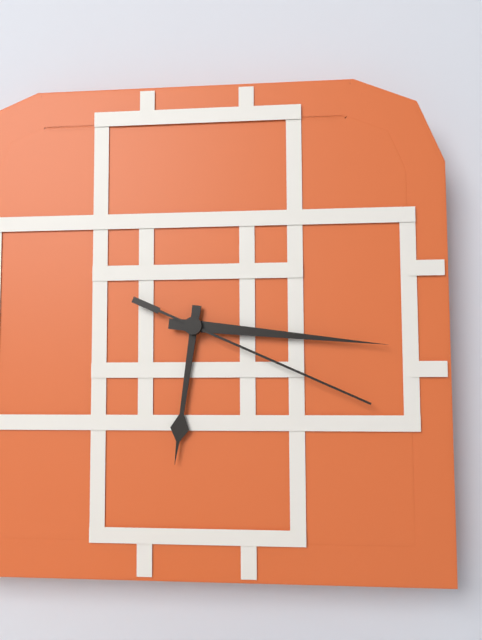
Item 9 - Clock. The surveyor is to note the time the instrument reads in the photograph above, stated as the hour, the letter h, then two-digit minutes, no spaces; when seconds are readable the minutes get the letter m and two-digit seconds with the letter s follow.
6h16m19s
